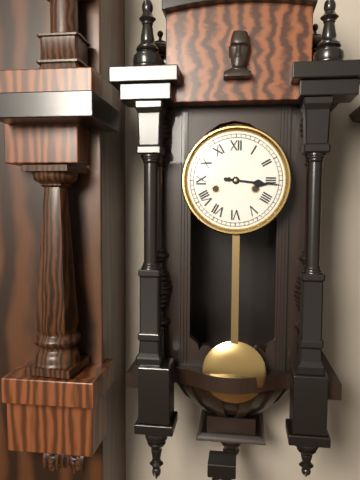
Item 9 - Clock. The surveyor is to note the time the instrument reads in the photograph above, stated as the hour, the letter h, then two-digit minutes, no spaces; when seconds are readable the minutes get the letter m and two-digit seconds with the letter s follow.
3h16
